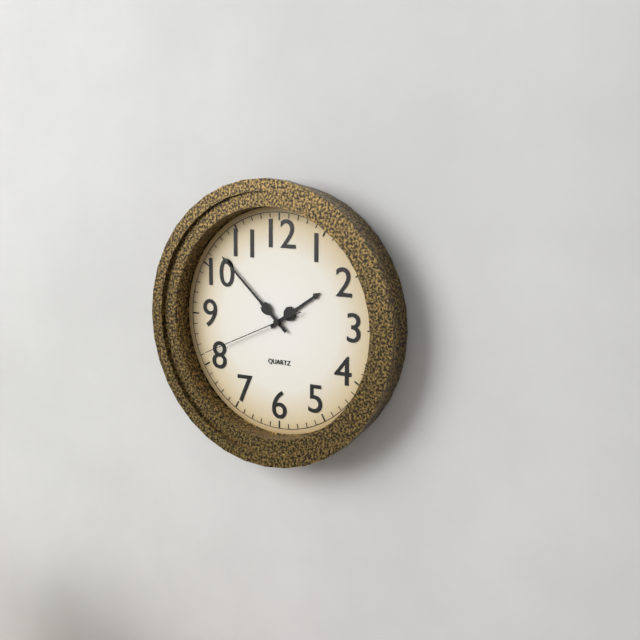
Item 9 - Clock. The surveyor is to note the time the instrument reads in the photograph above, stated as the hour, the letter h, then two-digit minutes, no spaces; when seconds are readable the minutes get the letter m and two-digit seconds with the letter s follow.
1h52m41s
